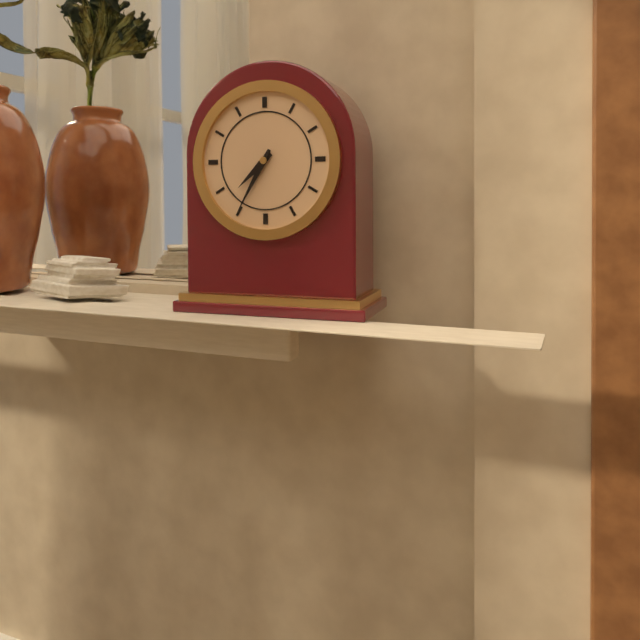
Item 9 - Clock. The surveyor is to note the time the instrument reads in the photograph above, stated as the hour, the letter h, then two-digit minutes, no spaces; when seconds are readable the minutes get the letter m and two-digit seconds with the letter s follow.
7h35
